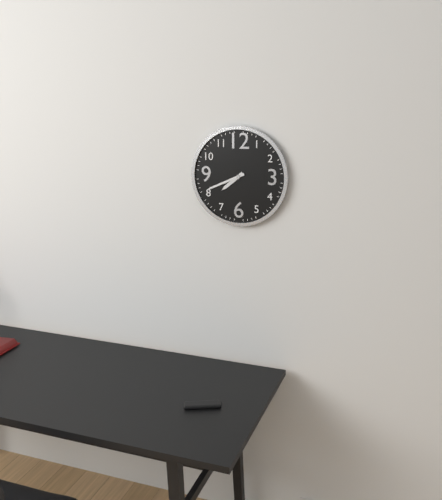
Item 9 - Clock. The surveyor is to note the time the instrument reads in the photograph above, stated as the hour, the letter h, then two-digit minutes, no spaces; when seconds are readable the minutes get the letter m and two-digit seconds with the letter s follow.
7h41
